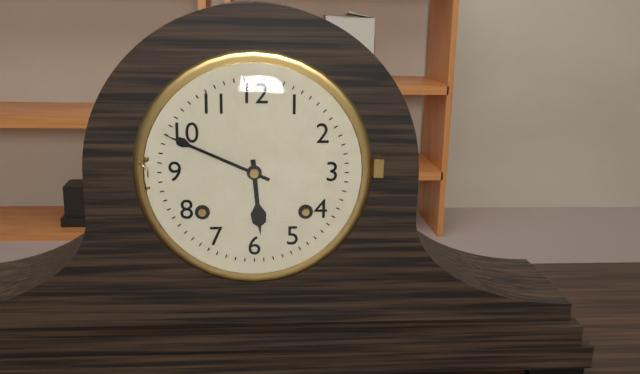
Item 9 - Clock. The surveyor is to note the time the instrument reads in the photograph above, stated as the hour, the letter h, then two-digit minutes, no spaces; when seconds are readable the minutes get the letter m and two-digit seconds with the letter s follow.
5h49
